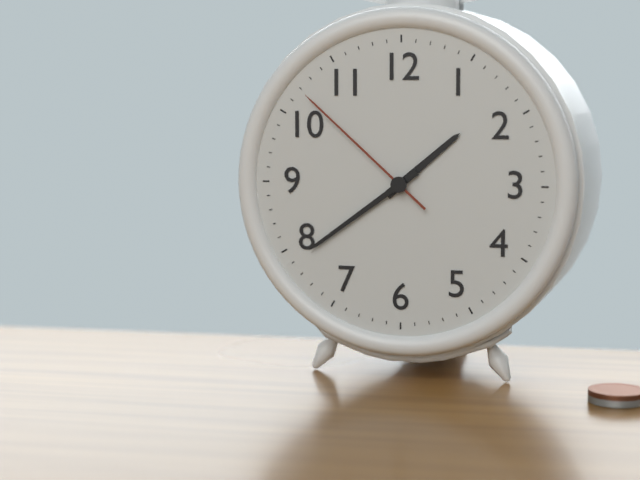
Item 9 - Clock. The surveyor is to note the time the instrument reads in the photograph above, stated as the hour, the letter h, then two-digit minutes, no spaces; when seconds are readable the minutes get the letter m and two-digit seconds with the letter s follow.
1h39m52s
